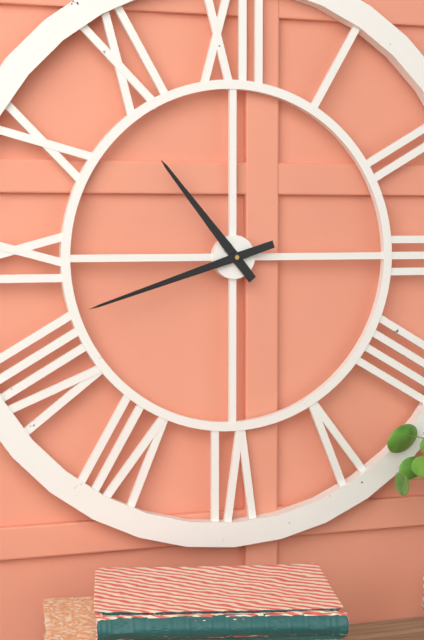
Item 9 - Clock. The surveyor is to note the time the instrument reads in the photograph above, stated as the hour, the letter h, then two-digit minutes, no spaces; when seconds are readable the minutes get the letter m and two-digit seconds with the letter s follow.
10h42
